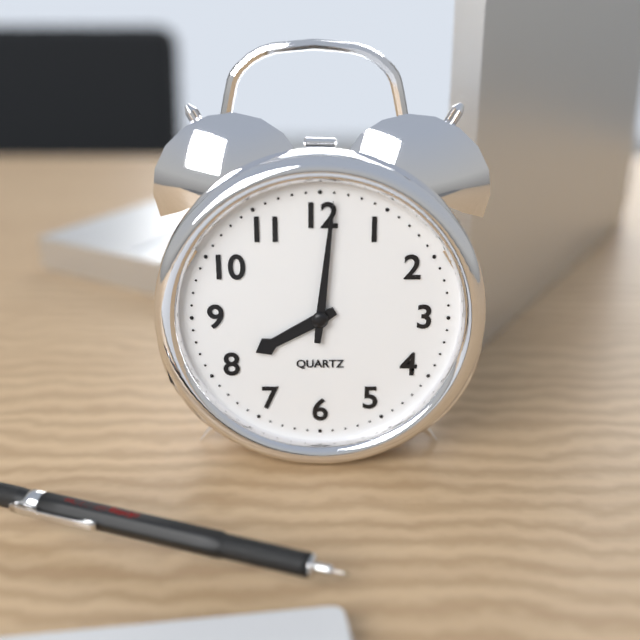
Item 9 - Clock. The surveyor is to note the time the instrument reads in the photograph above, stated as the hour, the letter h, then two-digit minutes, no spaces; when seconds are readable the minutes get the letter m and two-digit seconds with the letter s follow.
8h01
